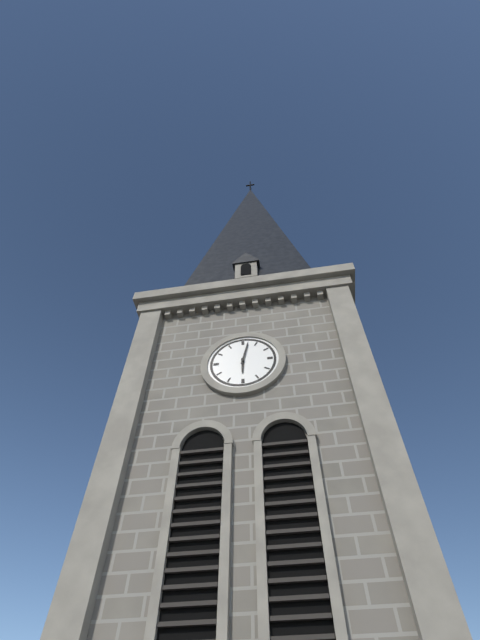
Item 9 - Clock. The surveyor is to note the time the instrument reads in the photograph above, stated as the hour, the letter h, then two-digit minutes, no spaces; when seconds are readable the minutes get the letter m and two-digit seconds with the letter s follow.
6h02
